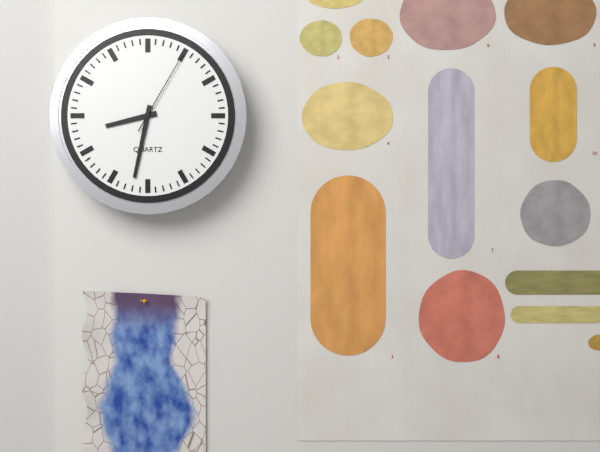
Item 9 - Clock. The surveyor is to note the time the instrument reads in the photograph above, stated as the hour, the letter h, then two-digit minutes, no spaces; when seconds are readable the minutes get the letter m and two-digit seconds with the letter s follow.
8h32m05s
